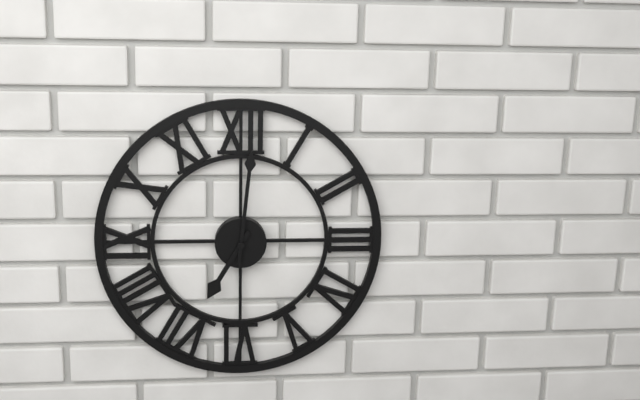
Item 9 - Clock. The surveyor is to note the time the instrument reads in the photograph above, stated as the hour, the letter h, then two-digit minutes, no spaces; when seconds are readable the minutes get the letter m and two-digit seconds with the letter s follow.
7h01
